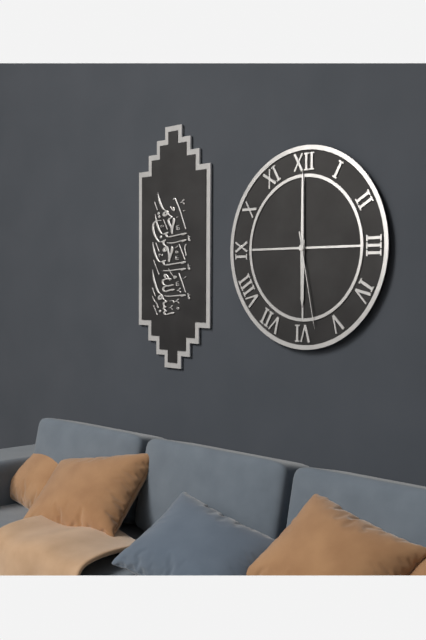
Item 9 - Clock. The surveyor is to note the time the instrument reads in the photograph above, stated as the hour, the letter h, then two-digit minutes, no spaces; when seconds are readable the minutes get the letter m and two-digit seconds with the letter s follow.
6h00m28s
